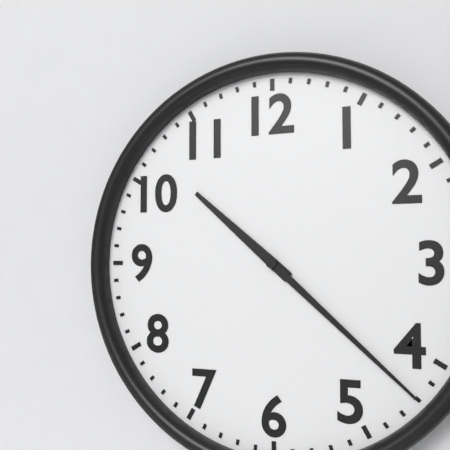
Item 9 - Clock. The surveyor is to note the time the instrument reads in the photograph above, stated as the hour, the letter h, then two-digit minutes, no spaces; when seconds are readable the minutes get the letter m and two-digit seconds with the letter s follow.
10h22
